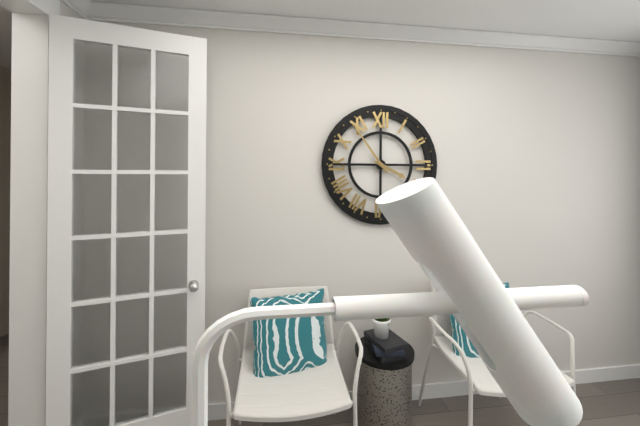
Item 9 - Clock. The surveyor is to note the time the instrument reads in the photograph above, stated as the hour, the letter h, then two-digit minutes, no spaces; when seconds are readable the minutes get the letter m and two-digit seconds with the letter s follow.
3h54
